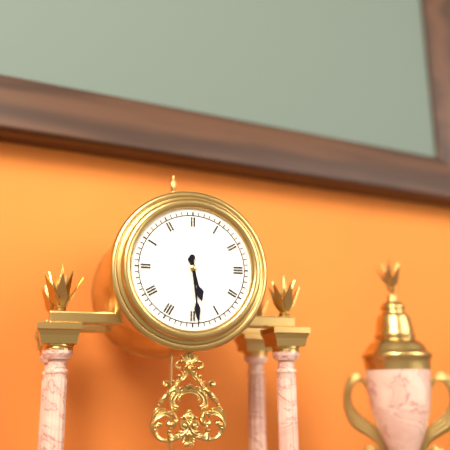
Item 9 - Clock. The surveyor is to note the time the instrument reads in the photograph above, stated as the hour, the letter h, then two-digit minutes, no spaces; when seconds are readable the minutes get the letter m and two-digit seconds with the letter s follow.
5h29
